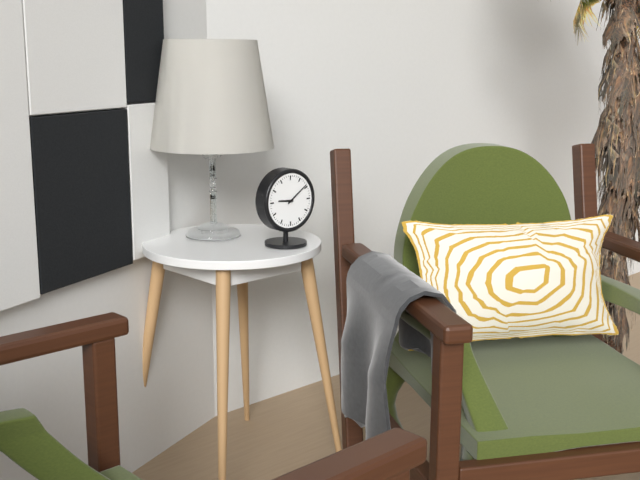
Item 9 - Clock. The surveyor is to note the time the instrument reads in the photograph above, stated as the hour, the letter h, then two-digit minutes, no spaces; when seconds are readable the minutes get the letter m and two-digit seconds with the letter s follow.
9h09
